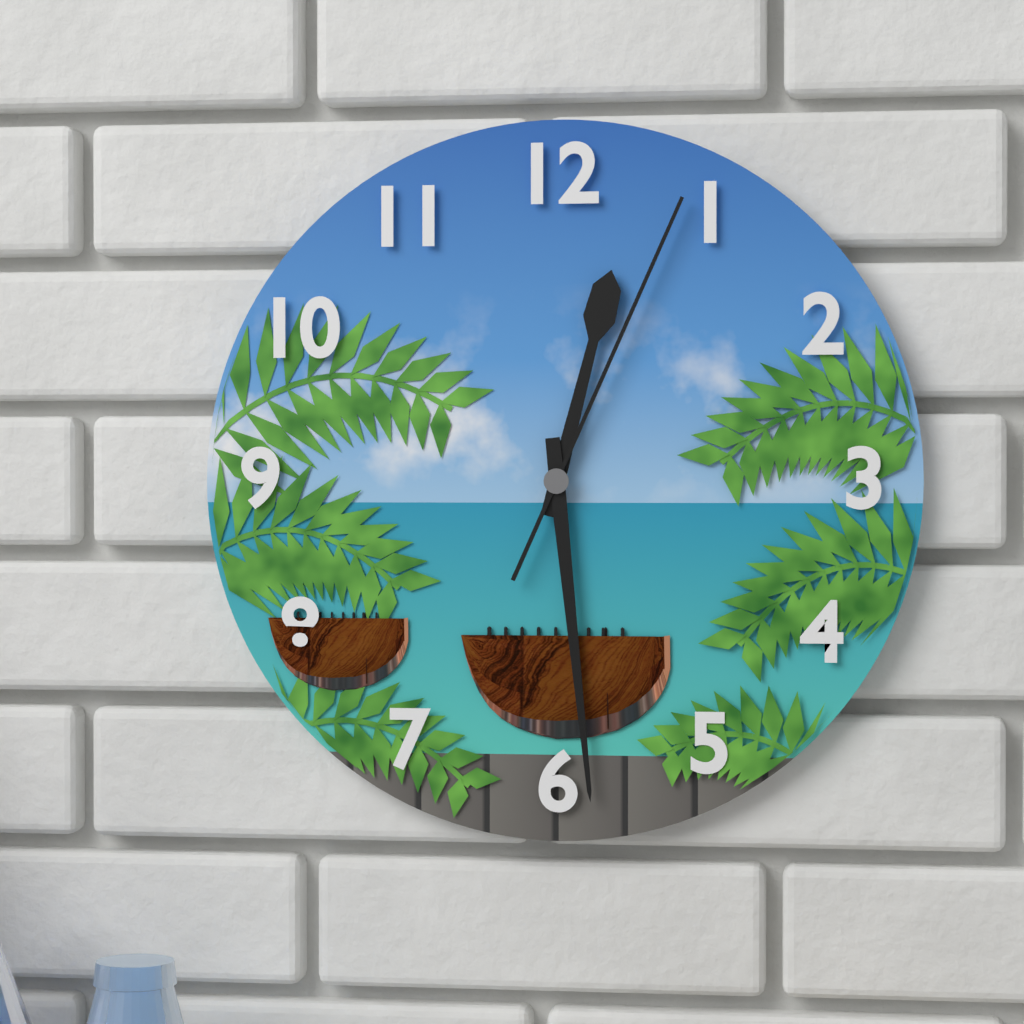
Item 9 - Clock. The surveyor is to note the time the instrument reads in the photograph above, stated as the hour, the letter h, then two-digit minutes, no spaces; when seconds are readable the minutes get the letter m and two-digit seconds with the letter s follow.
12h29m04s
